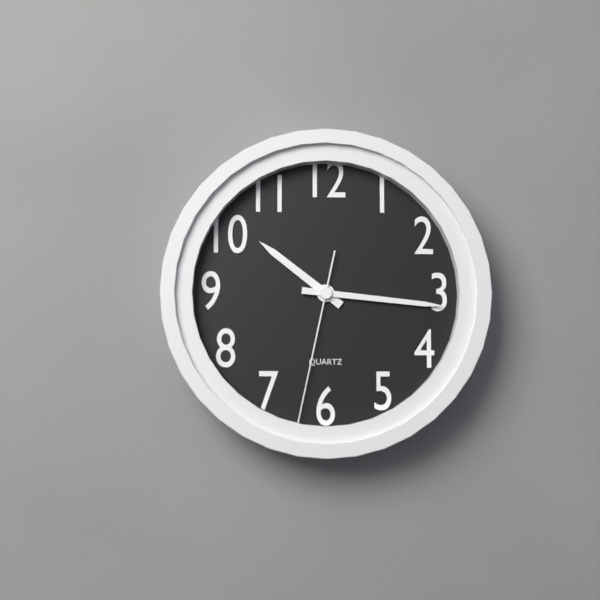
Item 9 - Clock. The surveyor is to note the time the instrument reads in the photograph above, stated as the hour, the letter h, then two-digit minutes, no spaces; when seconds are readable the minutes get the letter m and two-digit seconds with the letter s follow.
10h16m32s
